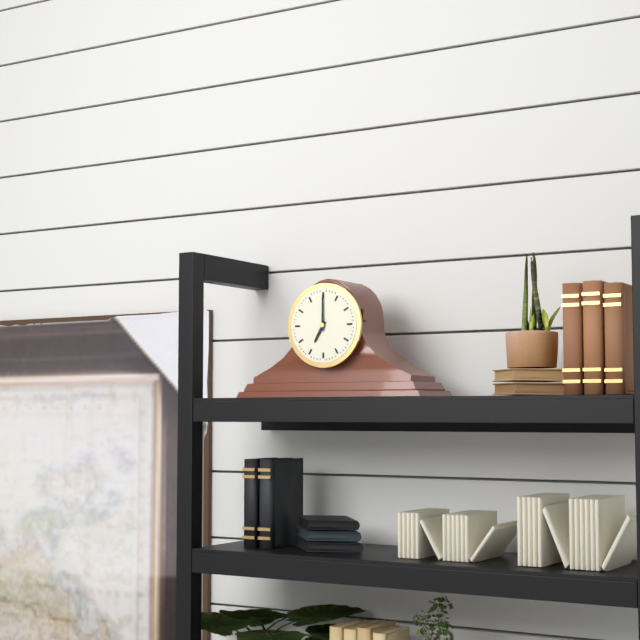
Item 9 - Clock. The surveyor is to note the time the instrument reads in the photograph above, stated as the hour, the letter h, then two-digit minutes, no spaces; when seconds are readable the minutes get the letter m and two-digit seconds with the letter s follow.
7h00
